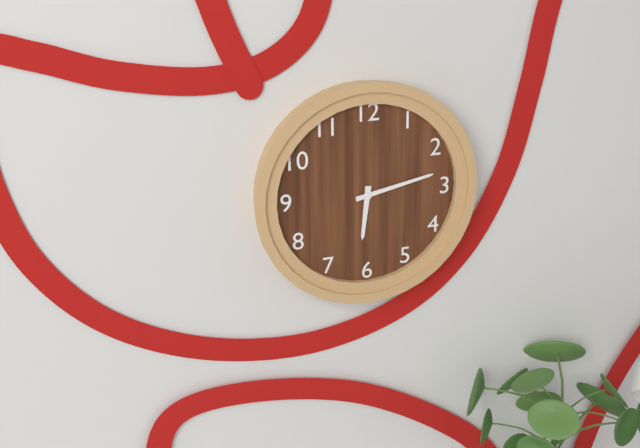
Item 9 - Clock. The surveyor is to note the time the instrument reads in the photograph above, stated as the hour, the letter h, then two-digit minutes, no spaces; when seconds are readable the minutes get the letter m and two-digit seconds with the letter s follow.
6h13
